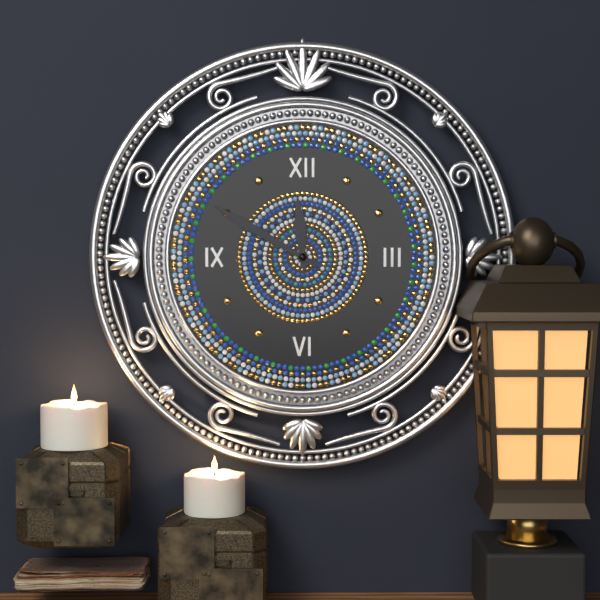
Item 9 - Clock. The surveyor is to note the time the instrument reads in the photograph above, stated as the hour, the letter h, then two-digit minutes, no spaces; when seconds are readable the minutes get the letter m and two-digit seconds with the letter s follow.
11h50
